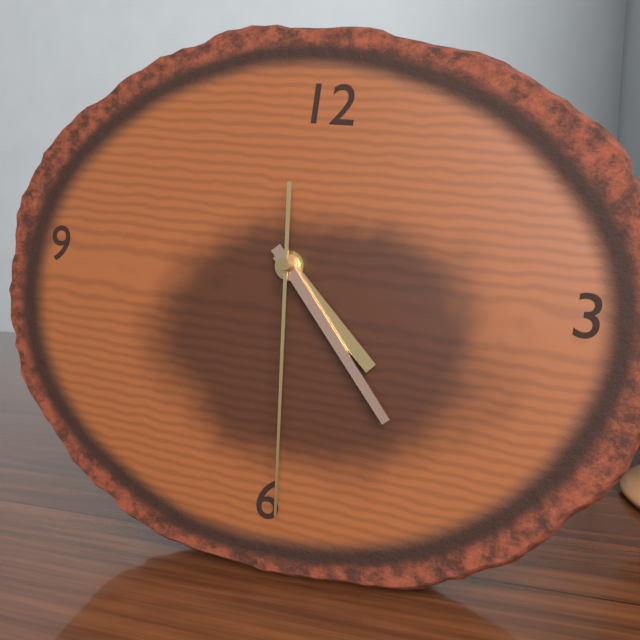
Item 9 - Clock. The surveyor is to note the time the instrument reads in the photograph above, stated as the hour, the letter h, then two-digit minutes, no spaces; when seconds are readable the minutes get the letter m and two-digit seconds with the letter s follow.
4h23m29s
